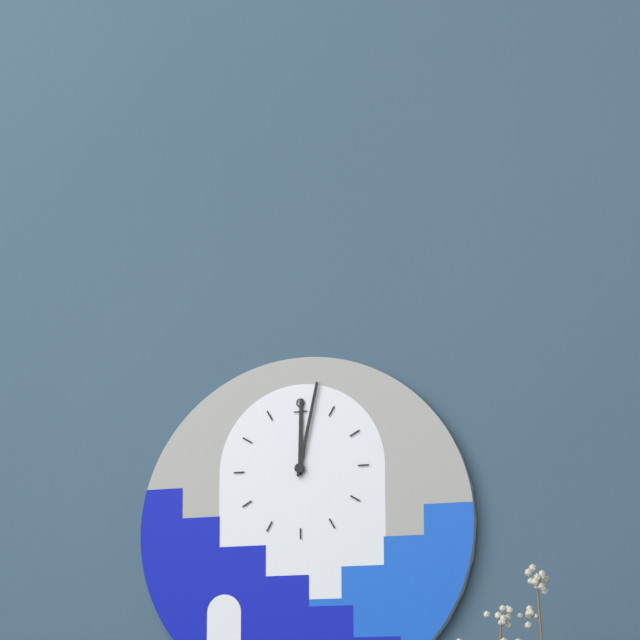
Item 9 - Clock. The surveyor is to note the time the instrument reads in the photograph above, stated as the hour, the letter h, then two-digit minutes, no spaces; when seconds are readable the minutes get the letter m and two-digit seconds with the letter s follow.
12h02
